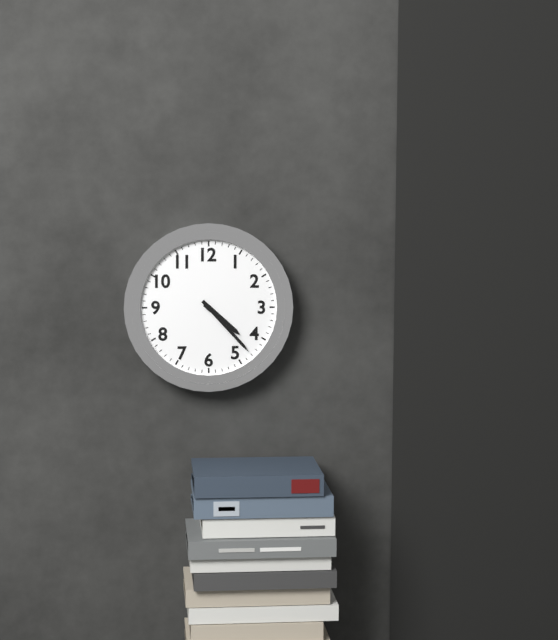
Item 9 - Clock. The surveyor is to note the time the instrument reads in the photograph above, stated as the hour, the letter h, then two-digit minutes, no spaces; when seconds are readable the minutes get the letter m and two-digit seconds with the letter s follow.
4h23
